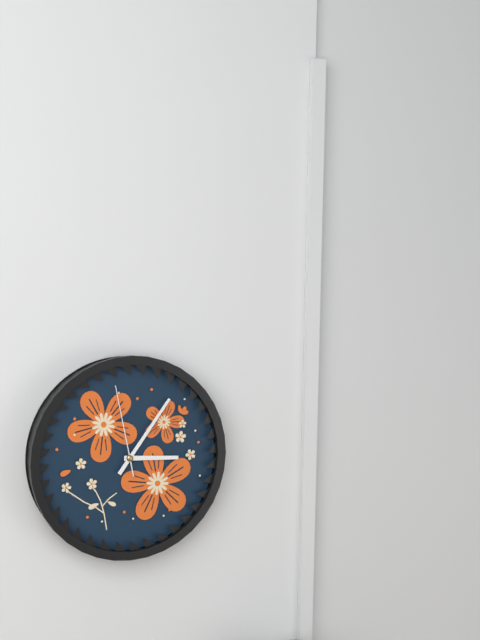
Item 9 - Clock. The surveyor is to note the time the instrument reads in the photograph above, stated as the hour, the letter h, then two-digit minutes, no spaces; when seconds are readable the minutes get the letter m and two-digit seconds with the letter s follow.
3h06m58s
